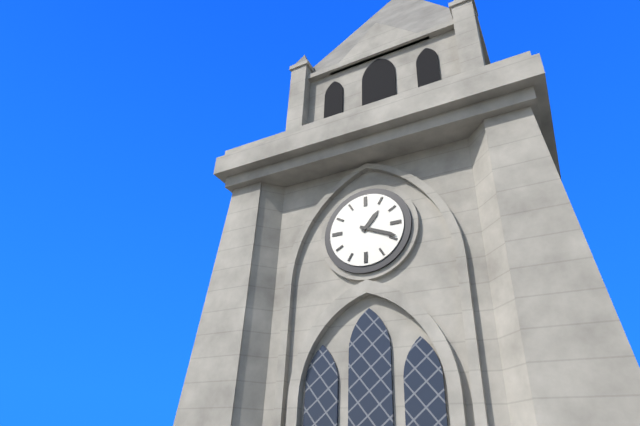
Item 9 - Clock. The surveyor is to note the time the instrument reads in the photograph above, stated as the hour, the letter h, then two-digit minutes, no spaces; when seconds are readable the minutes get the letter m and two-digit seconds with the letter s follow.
1h19
